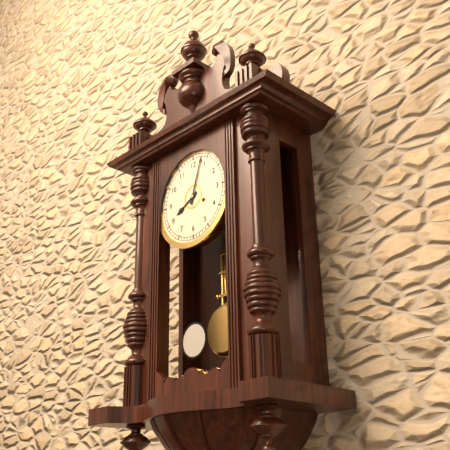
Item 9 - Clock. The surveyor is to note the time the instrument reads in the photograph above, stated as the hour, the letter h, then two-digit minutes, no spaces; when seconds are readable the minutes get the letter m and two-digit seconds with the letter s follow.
8h03
